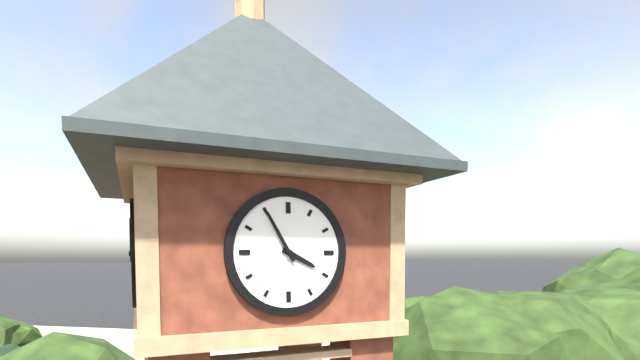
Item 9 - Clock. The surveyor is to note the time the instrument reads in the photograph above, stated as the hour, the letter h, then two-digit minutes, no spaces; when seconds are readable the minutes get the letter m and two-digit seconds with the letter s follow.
3h55
